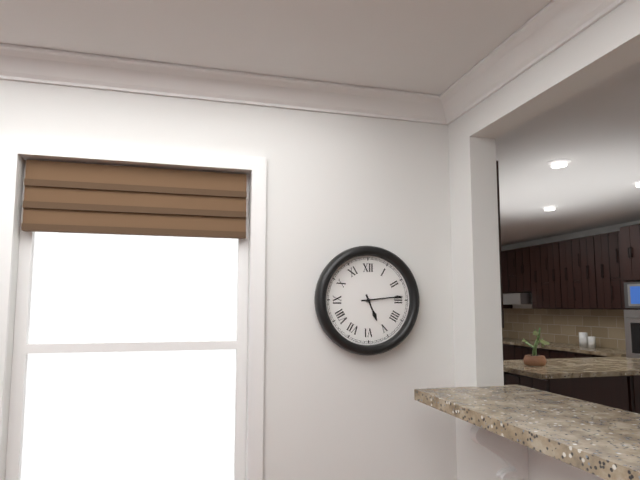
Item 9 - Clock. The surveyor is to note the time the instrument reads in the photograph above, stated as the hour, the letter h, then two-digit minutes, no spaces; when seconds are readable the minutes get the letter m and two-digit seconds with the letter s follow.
5h14
